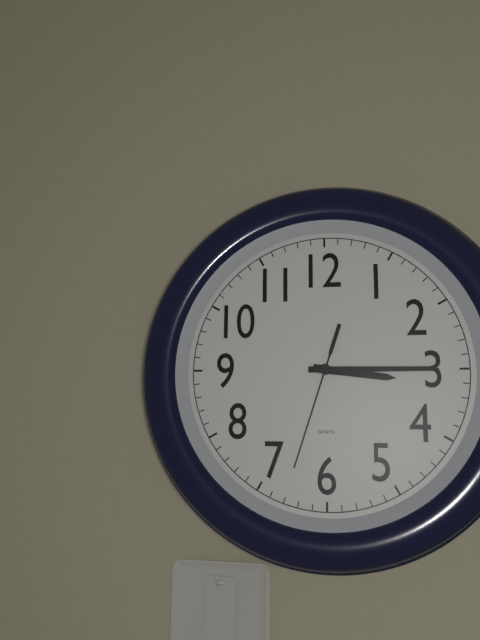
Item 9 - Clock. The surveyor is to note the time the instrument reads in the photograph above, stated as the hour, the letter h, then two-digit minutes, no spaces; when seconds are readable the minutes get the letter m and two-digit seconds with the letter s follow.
3h15m33s
